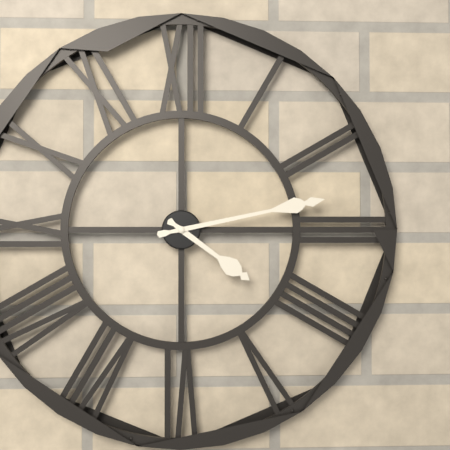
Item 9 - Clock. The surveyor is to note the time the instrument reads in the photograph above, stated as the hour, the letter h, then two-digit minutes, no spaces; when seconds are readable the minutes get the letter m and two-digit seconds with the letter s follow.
4h13
